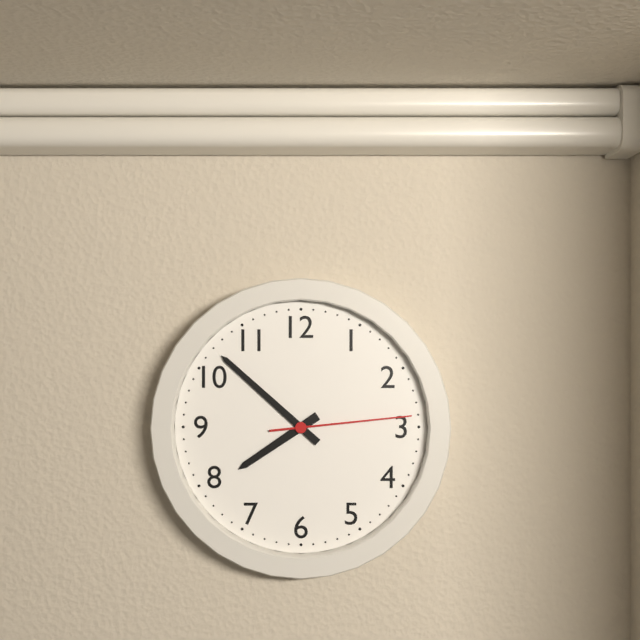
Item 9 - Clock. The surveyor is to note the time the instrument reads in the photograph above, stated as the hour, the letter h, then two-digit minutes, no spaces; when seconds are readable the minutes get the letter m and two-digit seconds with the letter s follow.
7h52m14s
